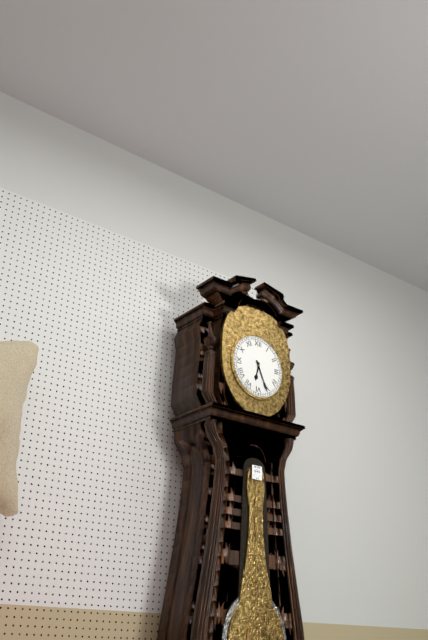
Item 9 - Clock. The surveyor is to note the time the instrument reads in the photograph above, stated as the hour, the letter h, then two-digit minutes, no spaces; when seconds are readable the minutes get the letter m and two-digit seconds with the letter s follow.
6h26
